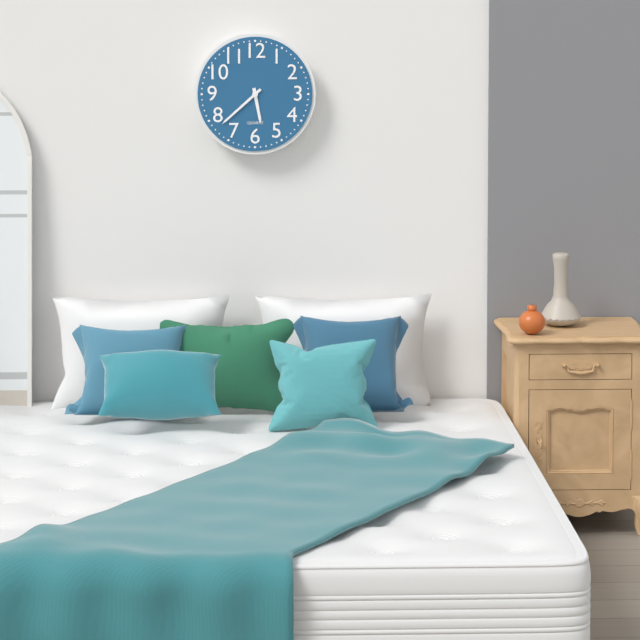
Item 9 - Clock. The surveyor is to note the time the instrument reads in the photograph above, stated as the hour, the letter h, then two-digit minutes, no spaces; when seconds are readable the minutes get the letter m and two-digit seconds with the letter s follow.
5h38
